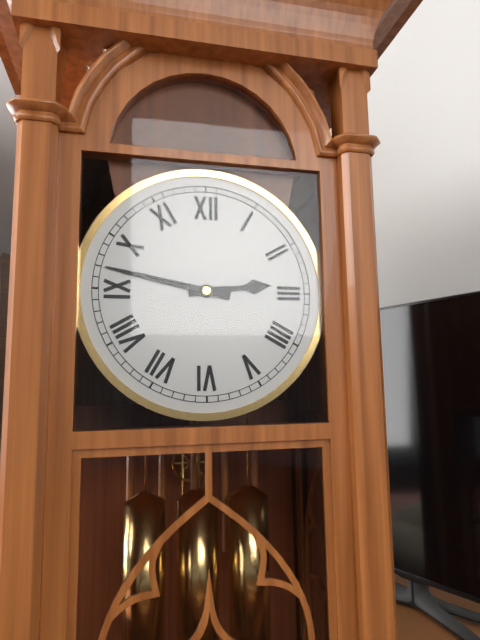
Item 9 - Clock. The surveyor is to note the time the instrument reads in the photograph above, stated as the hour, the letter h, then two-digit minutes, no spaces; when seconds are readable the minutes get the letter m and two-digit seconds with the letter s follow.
2h47
